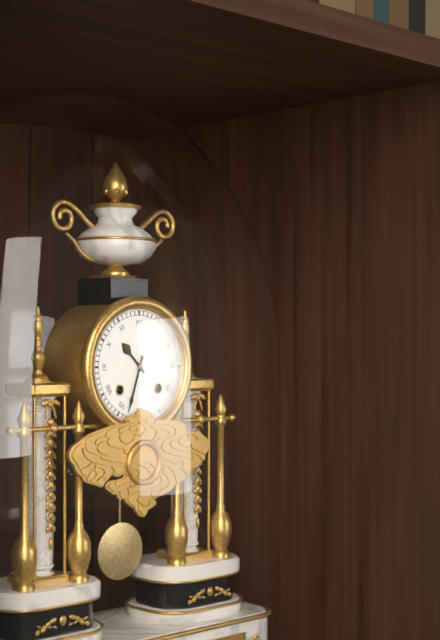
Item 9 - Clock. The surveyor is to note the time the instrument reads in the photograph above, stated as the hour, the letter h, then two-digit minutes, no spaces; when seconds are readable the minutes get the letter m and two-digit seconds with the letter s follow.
10h33
